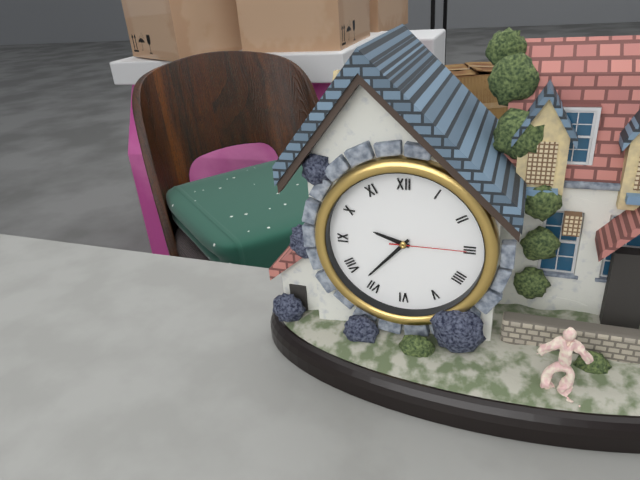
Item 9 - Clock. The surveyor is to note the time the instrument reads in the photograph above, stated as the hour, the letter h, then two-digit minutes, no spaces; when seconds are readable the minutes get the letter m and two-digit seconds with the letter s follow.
9h37m15s
